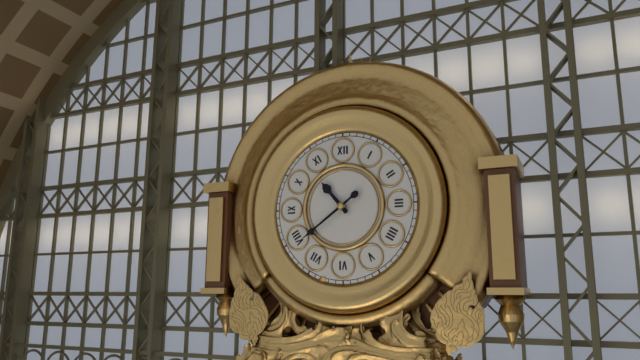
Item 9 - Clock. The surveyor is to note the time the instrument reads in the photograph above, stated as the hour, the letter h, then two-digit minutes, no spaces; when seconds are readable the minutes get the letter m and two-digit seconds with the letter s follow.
10h39
